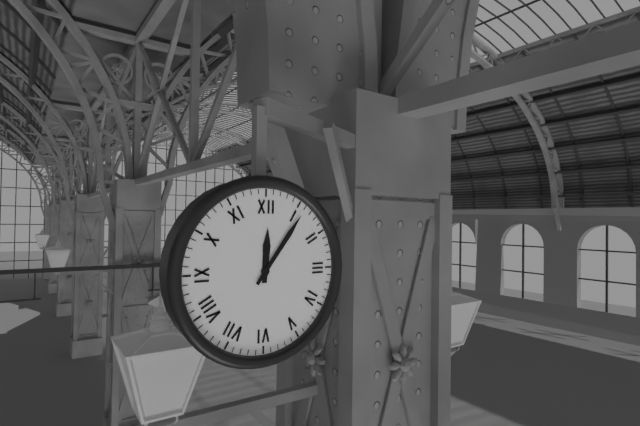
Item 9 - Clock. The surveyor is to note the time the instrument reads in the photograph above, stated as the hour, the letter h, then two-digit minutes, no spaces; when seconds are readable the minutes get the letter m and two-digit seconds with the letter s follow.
12h06
